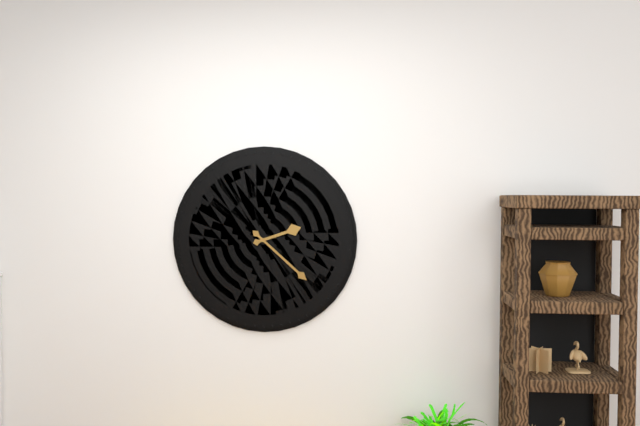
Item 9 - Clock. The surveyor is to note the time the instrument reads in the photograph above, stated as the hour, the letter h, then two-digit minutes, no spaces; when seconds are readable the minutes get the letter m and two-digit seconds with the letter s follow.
2h22
